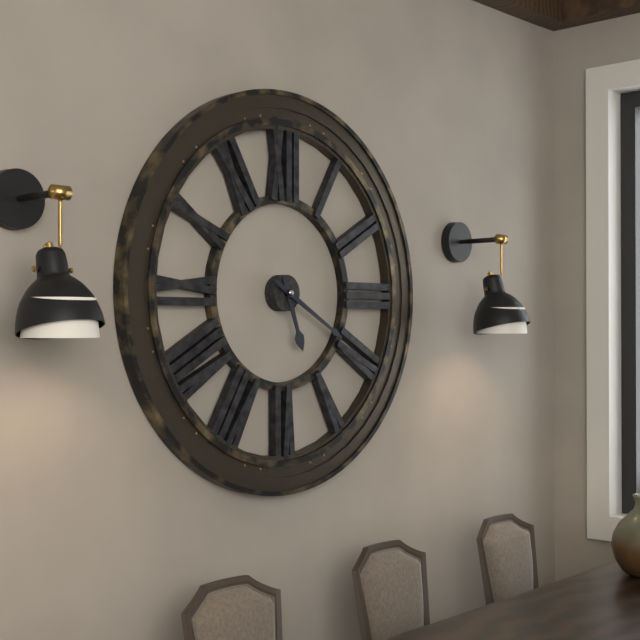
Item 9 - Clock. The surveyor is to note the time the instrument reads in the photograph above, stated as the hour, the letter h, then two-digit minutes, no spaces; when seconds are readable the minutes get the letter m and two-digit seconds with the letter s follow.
5h20
